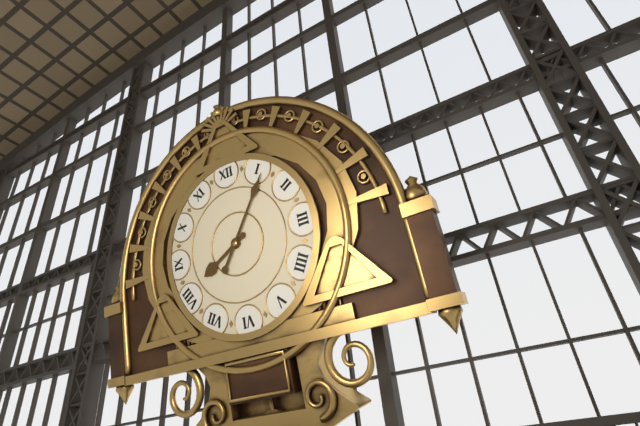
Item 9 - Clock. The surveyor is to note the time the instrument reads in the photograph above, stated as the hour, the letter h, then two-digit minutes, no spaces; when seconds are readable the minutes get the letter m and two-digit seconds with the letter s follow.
8h06
